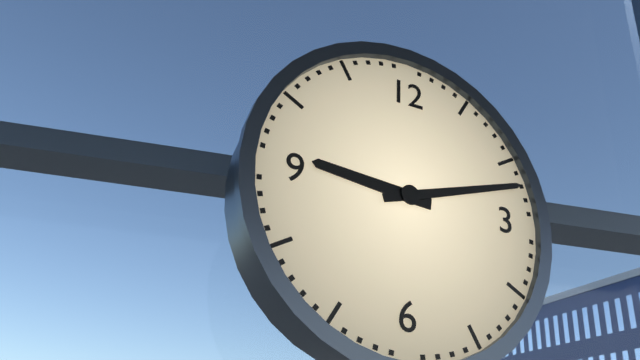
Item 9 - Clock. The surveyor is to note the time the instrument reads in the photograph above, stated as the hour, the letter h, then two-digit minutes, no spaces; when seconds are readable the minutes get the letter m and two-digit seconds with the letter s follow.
9h12
